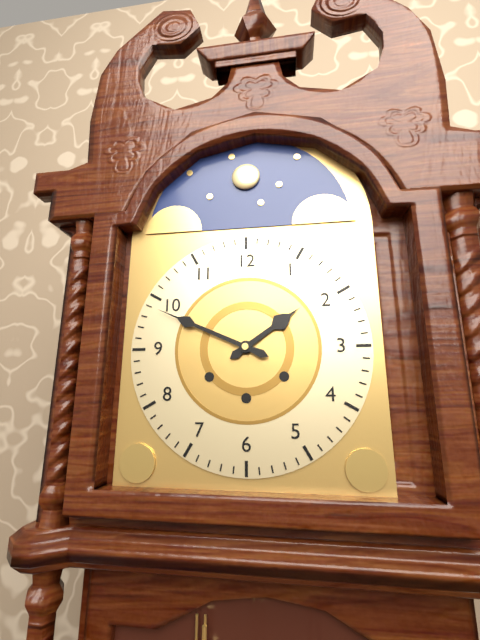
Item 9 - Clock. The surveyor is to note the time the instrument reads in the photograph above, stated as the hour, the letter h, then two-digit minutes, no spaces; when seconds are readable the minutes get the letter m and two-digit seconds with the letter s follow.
1h49
